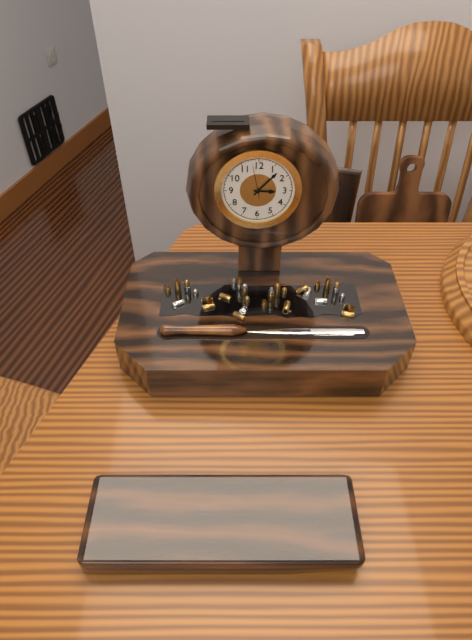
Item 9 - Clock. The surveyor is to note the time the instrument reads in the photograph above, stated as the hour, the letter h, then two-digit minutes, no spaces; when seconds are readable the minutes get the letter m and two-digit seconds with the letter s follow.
3h07
